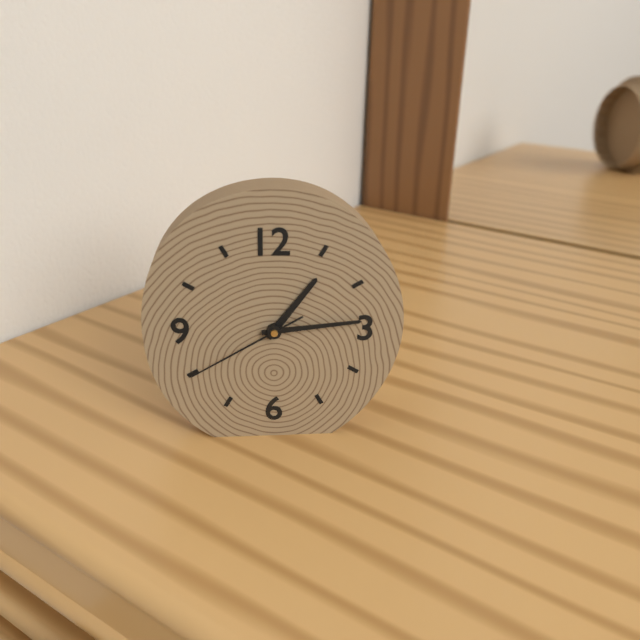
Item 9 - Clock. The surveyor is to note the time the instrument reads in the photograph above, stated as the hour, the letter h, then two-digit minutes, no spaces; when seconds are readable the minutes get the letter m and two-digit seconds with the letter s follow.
1h14m40s
